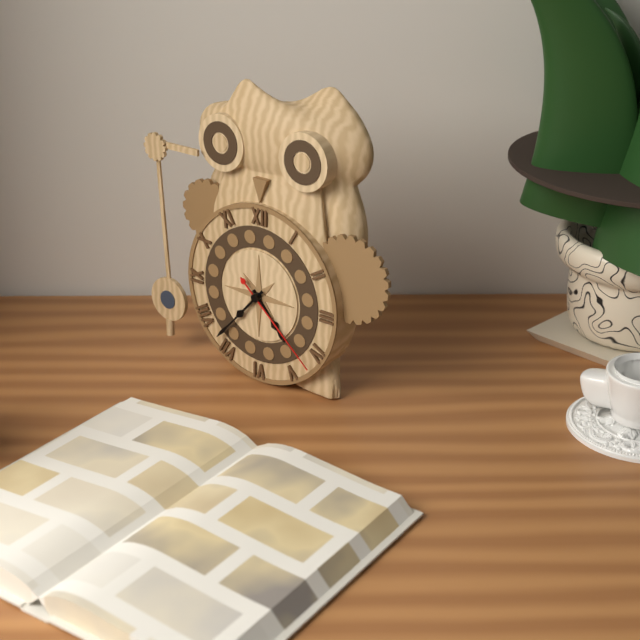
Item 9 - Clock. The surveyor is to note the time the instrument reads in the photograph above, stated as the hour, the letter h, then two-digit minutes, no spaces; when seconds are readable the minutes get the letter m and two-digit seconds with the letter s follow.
4h37m22s
